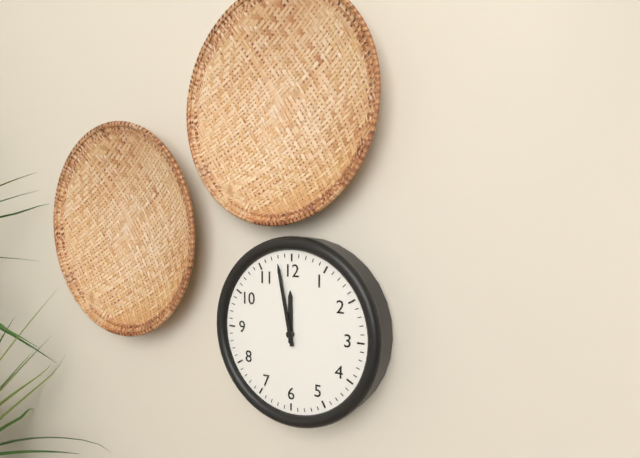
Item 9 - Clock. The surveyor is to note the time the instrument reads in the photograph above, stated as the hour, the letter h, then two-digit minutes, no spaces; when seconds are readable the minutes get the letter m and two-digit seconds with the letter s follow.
11h58
